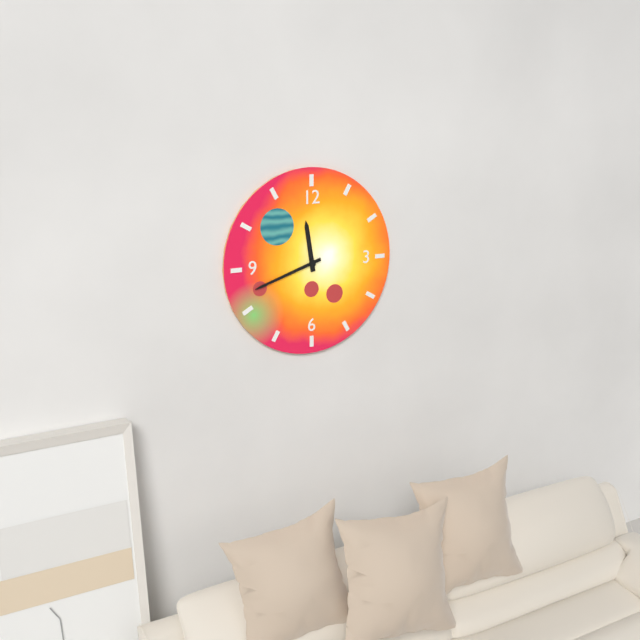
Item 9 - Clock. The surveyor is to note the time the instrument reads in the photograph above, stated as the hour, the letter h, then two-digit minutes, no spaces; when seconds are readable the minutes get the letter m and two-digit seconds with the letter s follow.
11h42
